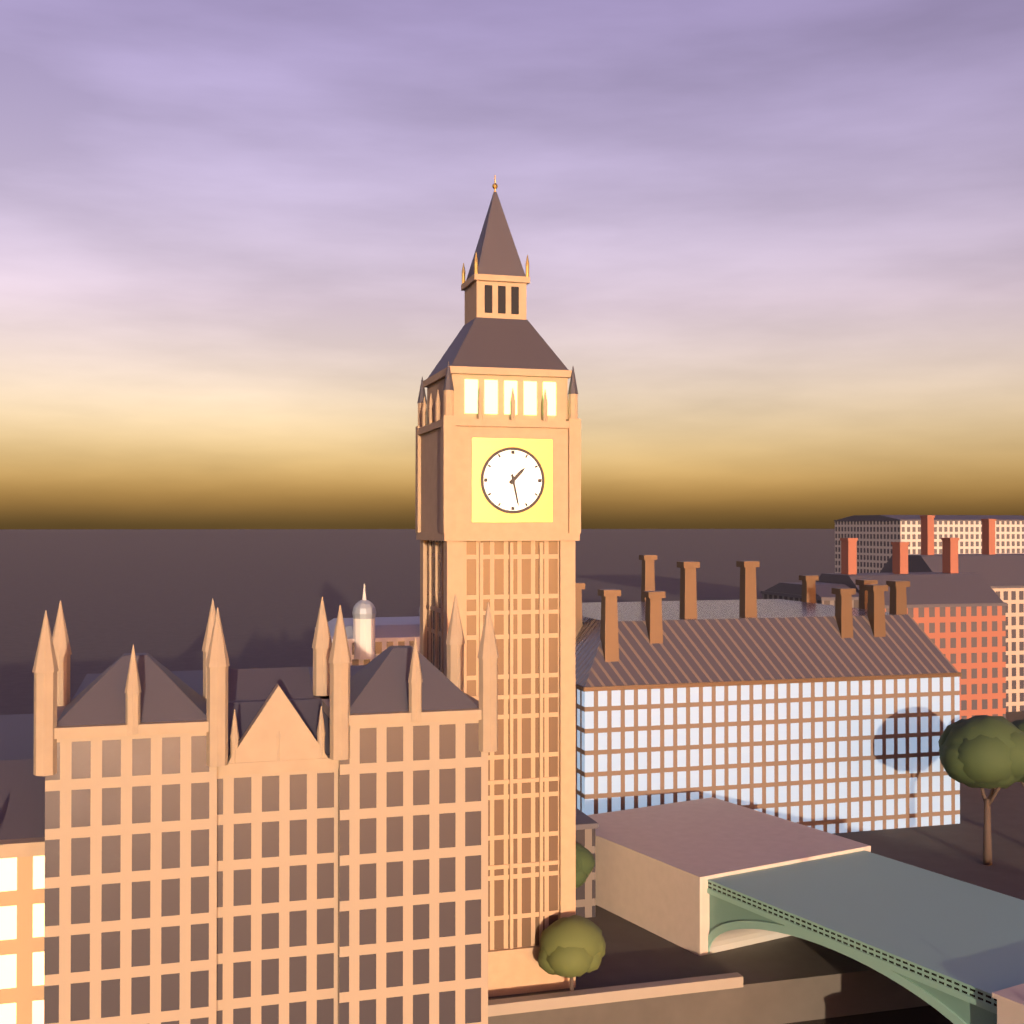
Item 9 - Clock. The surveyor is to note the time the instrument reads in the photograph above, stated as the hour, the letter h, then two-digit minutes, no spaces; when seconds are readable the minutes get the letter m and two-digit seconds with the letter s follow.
1h28
